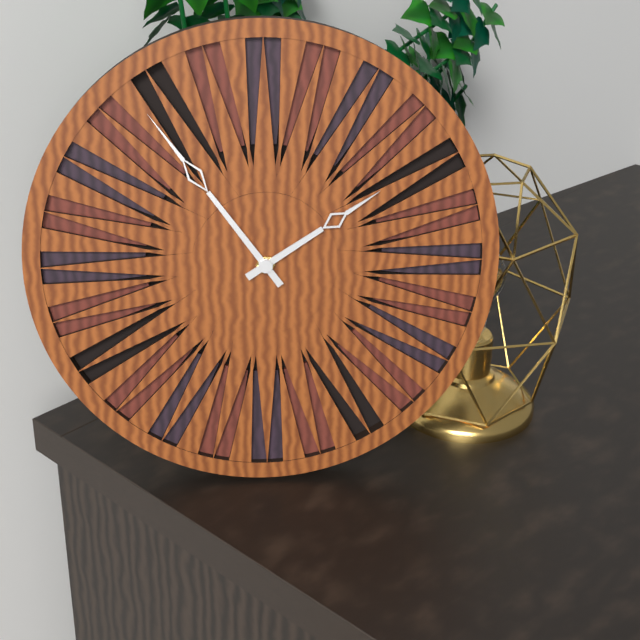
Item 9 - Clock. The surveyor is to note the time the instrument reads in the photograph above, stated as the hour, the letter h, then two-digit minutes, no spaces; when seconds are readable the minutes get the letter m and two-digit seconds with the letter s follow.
1h54
